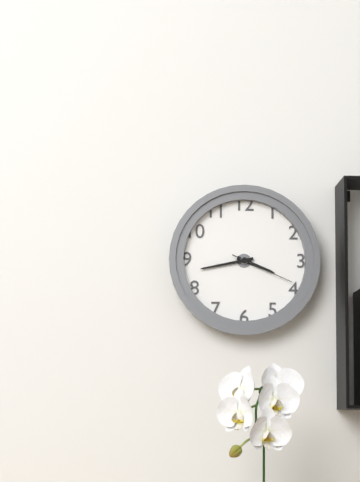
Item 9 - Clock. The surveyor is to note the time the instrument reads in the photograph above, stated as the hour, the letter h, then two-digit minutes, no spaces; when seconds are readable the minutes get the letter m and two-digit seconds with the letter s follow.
3h43m19s
